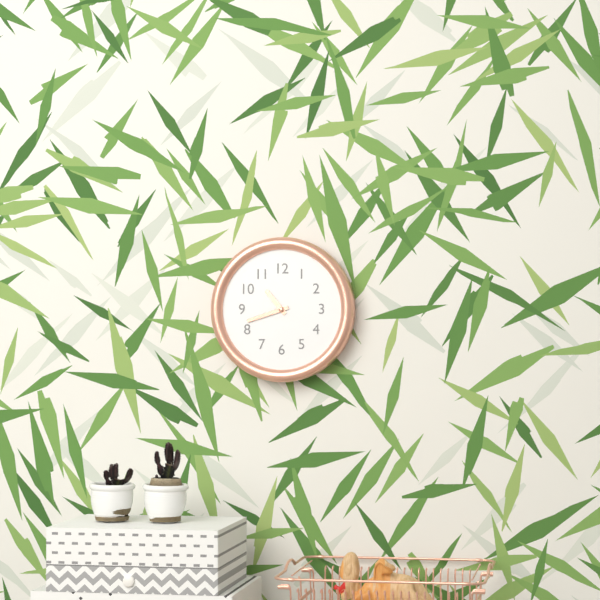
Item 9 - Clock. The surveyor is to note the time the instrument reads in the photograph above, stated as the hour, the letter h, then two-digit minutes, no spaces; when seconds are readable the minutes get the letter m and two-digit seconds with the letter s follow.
10h42
